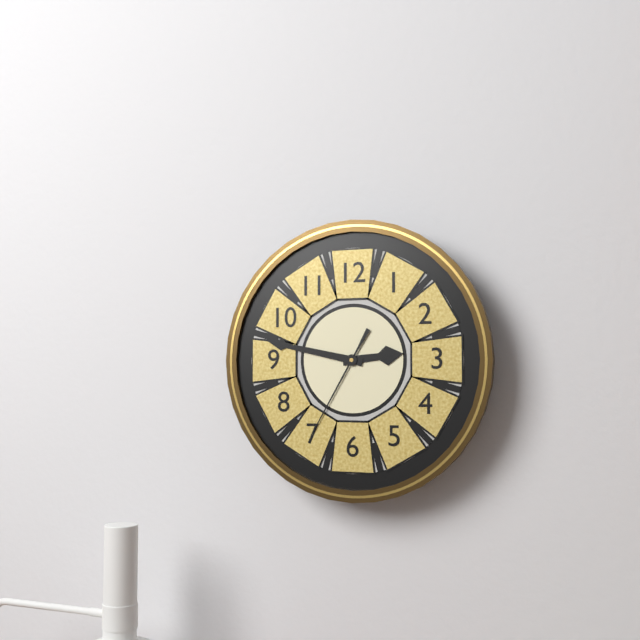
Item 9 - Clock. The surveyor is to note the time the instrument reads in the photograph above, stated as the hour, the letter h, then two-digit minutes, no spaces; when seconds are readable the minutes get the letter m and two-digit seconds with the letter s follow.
2h47m35s
